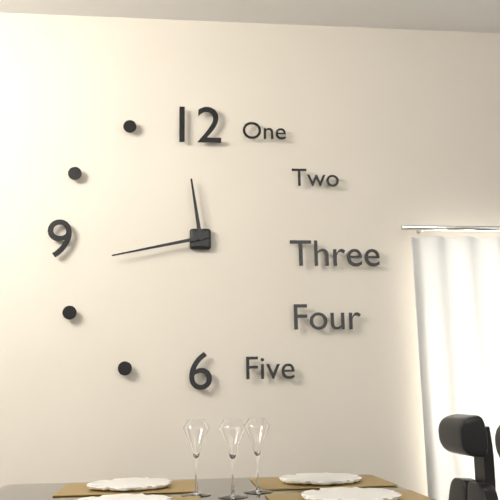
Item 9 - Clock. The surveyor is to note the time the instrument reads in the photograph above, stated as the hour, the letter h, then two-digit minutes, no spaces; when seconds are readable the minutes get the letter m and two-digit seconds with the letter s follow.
11h43
